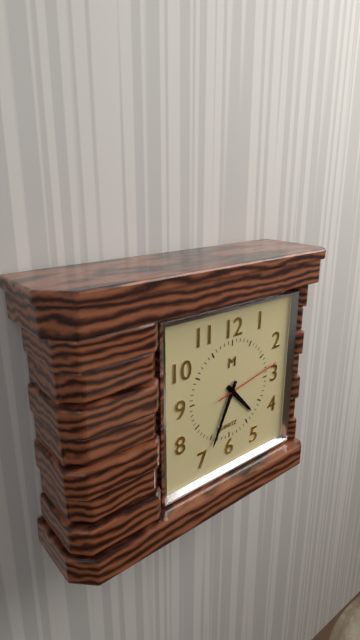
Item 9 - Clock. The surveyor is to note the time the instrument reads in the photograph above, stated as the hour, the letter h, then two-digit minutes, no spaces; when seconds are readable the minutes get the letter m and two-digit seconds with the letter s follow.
4h34m13s
